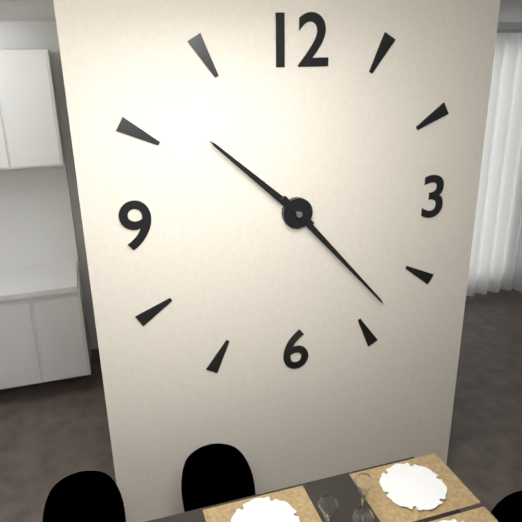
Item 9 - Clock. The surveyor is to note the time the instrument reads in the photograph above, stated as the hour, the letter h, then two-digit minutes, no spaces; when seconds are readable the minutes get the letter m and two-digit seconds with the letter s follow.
10h23
